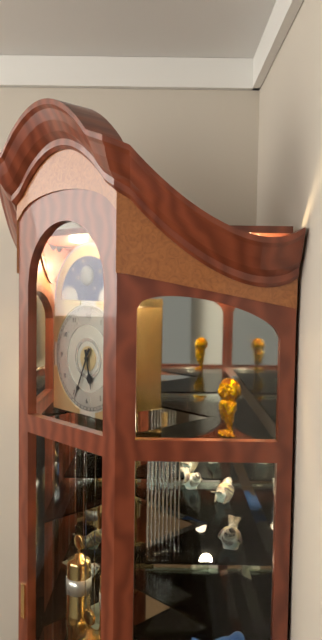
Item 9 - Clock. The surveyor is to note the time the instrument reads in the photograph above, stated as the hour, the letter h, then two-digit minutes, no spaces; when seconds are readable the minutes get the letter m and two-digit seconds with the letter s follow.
5h34
